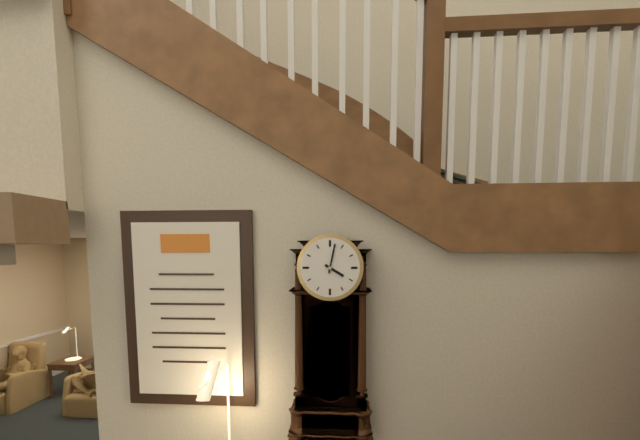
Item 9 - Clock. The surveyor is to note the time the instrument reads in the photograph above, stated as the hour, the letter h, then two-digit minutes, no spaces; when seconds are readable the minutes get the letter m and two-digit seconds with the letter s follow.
4h02
